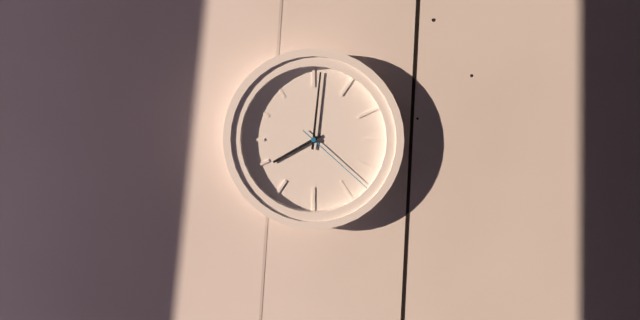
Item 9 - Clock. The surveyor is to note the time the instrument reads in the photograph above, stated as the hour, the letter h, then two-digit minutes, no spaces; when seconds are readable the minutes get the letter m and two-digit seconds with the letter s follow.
8h01m22s
